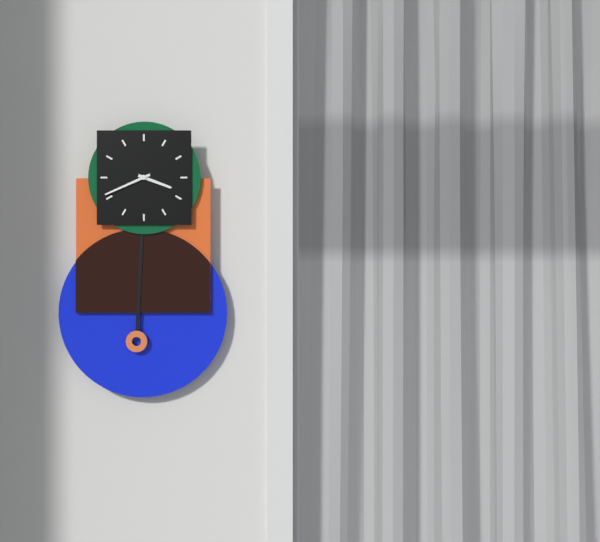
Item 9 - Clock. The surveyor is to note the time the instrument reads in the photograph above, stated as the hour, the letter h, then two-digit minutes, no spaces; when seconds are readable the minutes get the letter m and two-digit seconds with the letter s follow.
3h41
